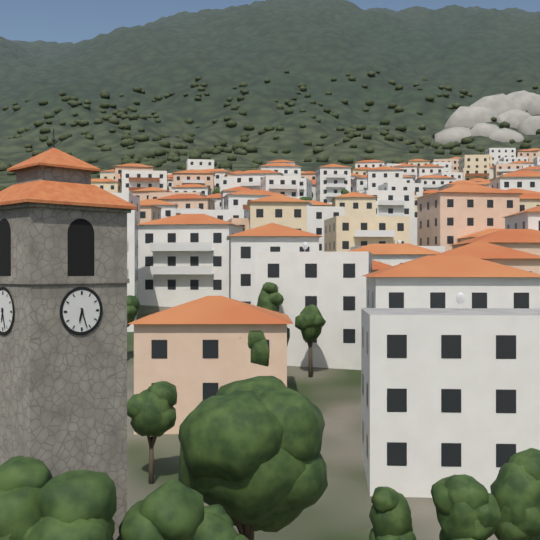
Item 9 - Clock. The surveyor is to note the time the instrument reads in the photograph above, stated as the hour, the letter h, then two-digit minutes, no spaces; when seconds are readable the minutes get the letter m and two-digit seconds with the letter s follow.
6h27
